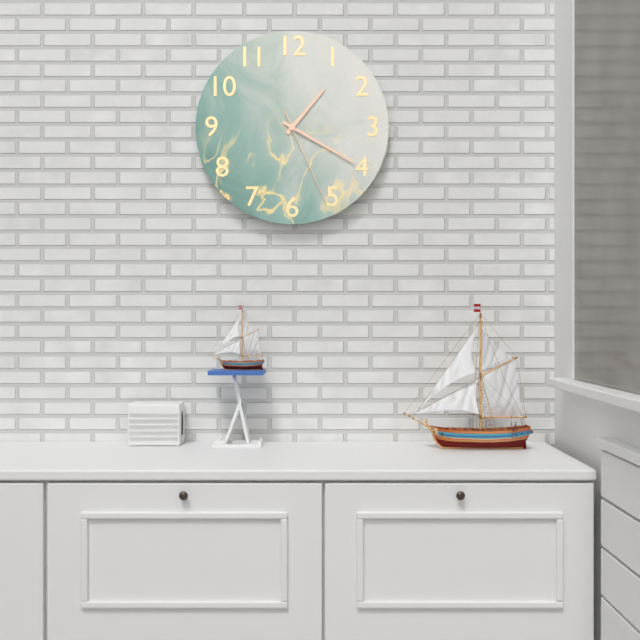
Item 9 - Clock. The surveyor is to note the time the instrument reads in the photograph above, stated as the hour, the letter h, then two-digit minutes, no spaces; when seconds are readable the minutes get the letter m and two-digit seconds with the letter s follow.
1h20m26s
